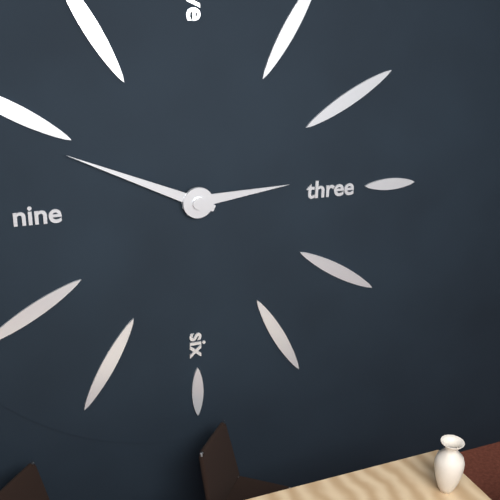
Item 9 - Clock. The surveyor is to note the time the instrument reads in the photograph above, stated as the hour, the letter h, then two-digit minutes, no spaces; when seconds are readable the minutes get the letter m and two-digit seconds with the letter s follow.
2h49
